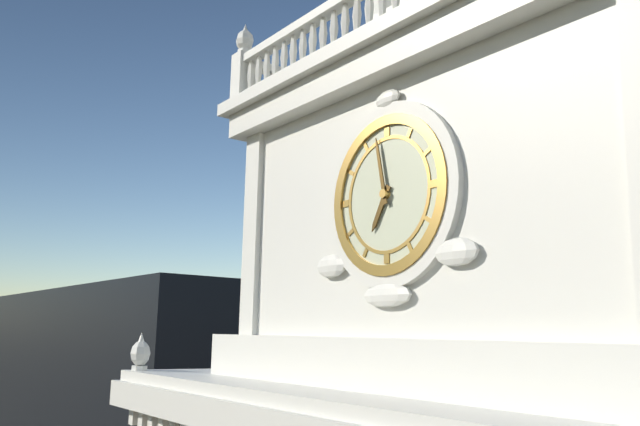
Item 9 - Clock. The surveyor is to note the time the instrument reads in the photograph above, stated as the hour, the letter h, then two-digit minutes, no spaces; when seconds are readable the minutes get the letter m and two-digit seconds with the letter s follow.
6h58
